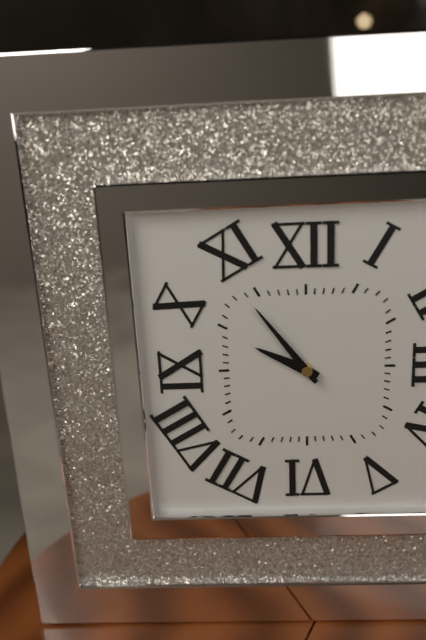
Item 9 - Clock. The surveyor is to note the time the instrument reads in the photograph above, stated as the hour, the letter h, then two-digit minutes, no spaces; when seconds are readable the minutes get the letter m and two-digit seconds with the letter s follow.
9h54
